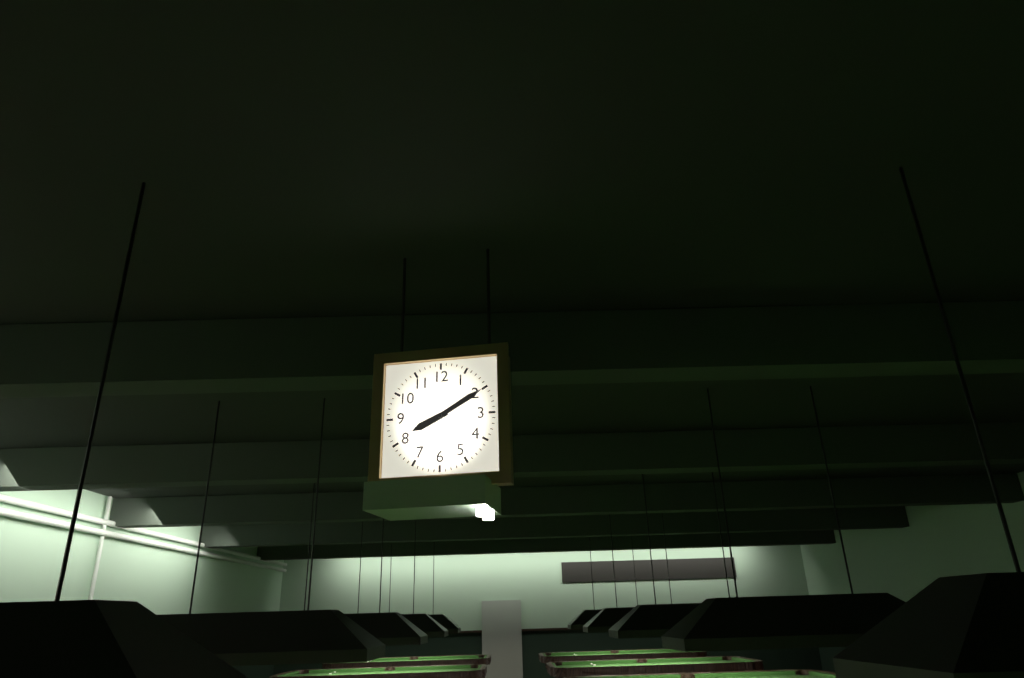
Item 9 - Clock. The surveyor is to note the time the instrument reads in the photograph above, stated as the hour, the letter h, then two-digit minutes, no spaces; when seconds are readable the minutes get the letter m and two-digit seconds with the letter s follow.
8h10
